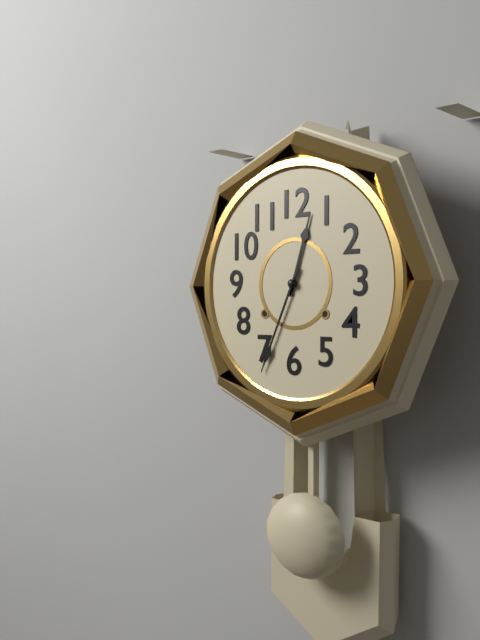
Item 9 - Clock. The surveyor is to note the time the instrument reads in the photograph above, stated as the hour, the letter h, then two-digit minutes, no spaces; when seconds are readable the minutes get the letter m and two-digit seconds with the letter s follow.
12h34
